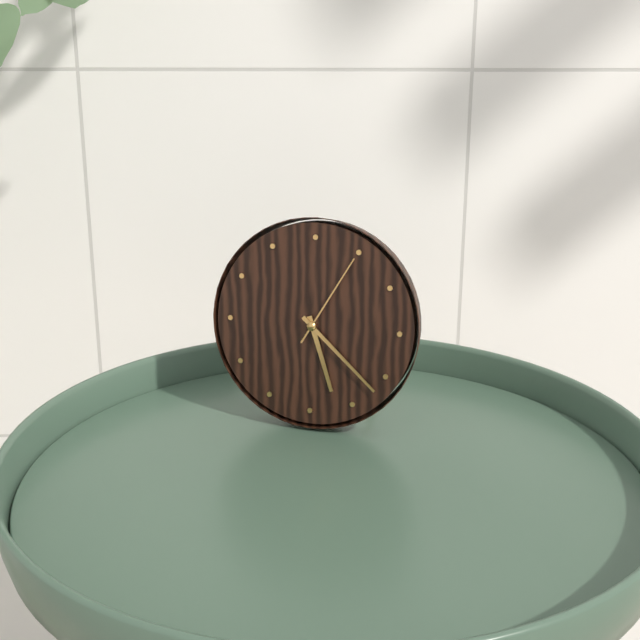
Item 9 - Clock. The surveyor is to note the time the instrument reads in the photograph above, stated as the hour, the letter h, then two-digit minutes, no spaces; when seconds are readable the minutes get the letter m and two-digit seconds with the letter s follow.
5h22m05s
